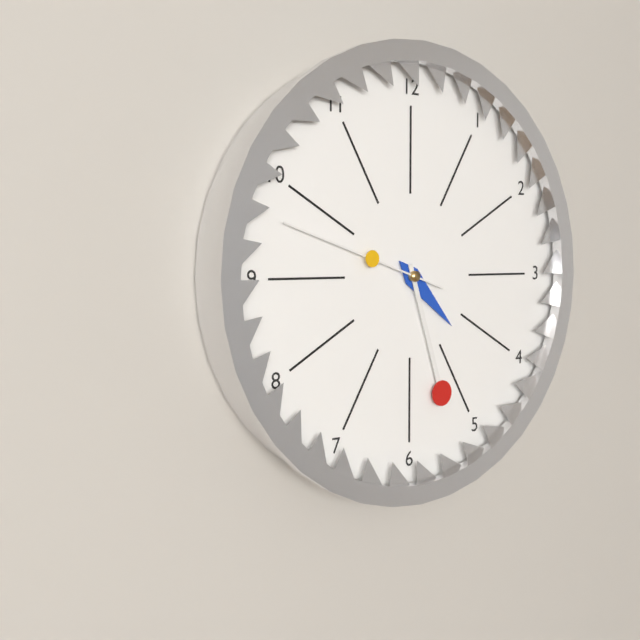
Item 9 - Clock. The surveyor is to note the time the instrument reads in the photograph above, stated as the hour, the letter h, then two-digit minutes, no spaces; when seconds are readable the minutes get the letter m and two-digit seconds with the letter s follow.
4h27m48s
